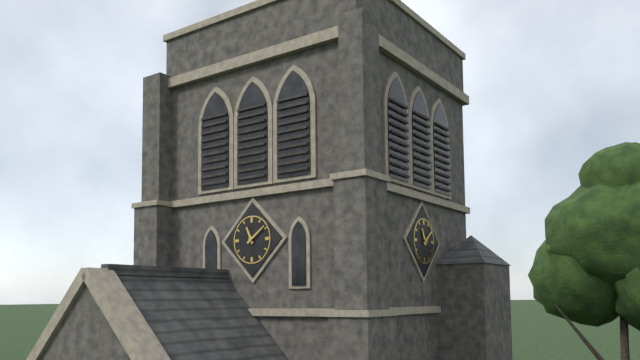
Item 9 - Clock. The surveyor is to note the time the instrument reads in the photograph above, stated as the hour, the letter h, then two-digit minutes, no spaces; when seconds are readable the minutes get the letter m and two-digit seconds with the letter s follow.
11h09
